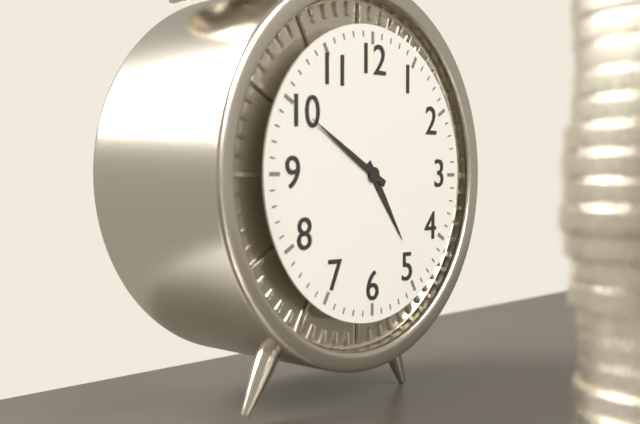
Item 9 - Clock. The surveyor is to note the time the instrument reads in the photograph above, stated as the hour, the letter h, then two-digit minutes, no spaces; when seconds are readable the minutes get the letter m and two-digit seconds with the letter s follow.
4h50
